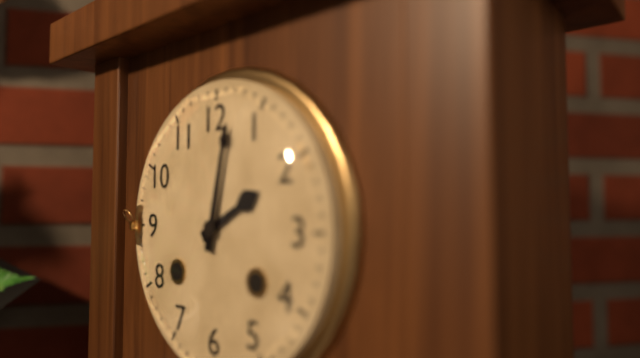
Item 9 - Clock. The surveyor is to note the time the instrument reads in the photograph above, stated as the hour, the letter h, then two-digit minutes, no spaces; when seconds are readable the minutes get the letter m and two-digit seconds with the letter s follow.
2h02
